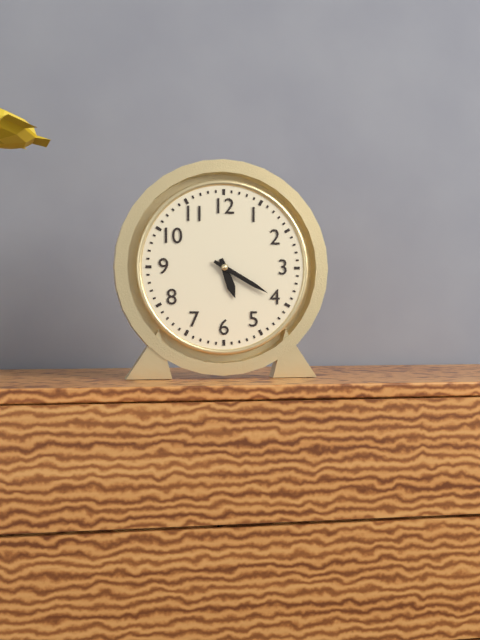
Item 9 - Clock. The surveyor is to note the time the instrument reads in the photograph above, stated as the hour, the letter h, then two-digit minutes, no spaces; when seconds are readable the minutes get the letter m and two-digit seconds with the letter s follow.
5h20
